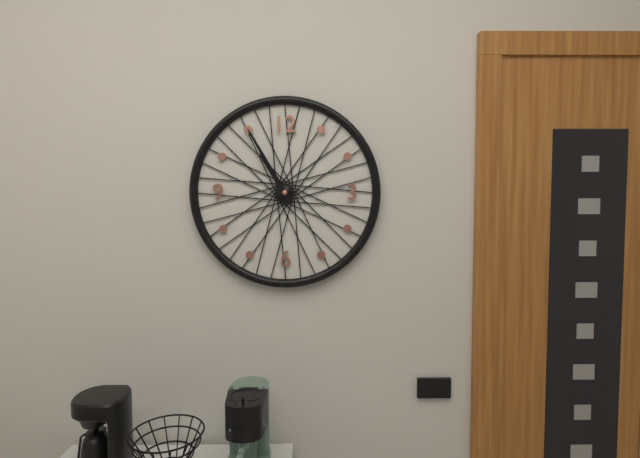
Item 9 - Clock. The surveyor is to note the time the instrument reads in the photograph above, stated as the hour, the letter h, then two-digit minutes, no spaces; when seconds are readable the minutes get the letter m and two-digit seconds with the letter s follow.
10h55
